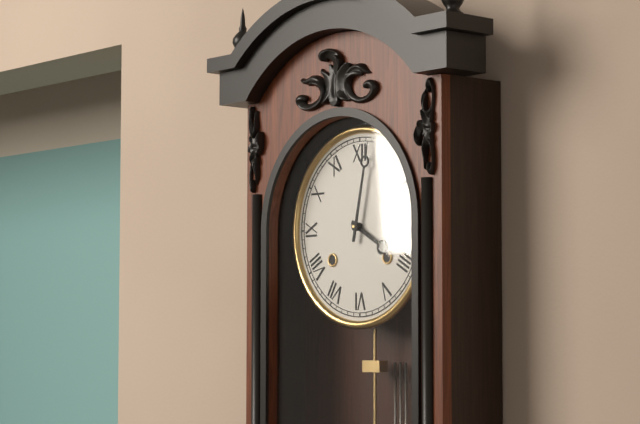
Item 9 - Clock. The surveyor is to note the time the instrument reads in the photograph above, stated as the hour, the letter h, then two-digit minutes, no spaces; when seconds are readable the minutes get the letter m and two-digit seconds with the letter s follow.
4h02
